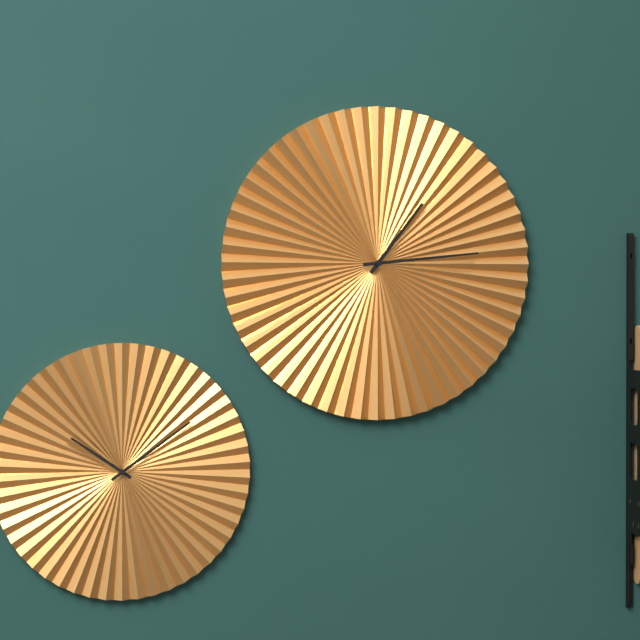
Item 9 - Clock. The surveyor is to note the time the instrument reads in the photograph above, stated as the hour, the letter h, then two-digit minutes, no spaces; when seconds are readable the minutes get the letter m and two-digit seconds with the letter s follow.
1h14
